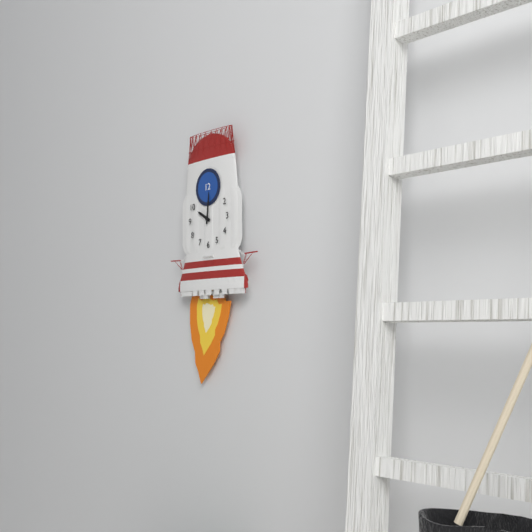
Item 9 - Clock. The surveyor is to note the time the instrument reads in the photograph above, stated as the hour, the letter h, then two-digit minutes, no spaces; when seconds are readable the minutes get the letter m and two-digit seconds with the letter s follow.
10h01
